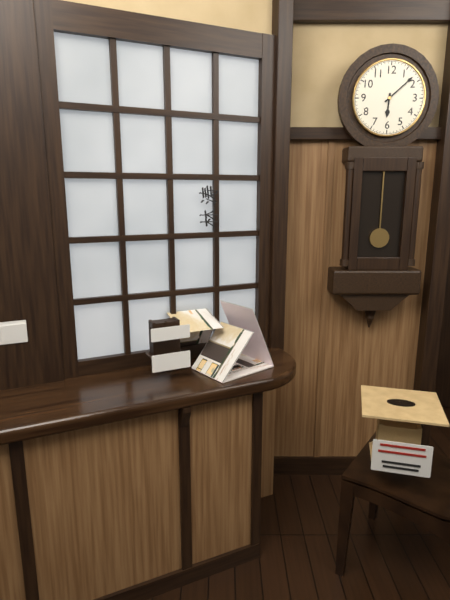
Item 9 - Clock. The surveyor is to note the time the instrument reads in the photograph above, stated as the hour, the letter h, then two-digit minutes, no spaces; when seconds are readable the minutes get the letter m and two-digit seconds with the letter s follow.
6h08
